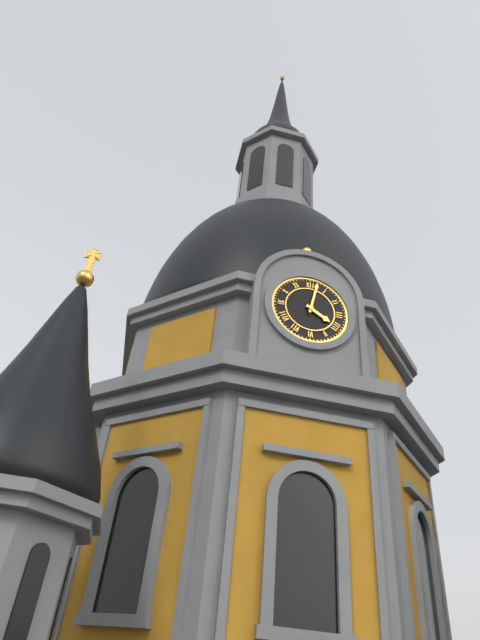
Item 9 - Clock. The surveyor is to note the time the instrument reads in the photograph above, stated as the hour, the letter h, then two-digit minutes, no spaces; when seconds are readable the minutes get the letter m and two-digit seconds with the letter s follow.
4h02
